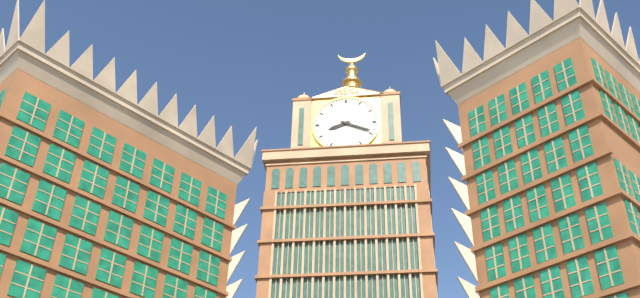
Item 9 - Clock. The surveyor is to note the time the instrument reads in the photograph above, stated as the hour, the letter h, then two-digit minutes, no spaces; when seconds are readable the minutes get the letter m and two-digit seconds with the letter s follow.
8h19
